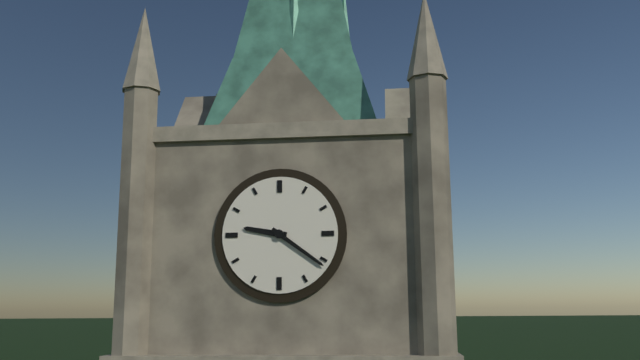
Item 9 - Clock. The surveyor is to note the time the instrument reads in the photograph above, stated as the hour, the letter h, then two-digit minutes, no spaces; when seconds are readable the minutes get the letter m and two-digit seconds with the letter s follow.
9h21
